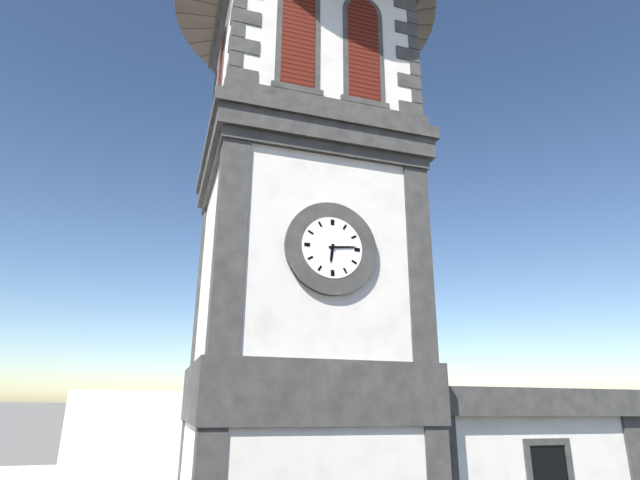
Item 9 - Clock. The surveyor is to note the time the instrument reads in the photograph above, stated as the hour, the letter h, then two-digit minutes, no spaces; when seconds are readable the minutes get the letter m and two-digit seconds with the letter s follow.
6h14
